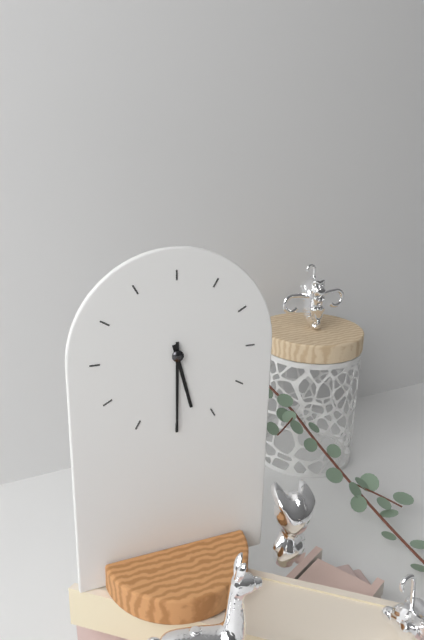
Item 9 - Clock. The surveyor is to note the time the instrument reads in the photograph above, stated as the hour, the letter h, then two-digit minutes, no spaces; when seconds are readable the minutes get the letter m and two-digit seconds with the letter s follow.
5h30
